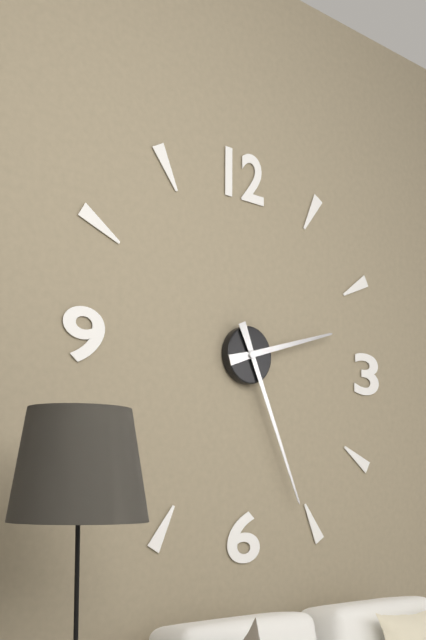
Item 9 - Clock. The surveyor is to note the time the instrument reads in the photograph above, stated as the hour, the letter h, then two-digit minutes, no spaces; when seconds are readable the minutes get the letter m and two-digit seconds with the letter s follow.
2h26
